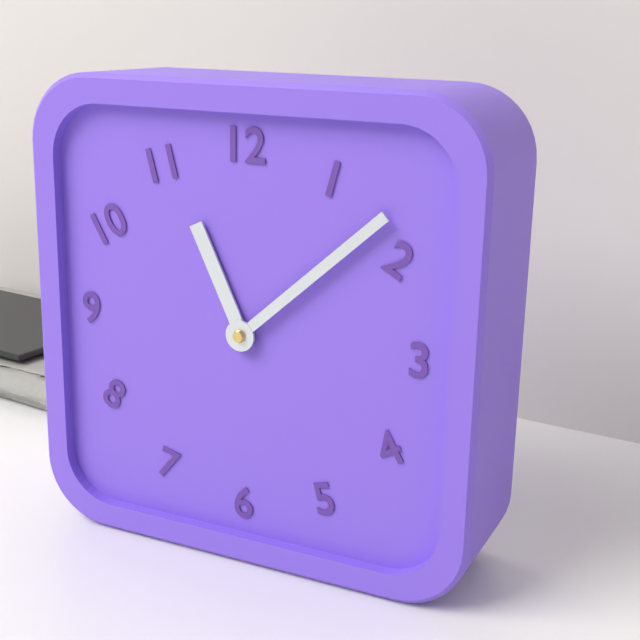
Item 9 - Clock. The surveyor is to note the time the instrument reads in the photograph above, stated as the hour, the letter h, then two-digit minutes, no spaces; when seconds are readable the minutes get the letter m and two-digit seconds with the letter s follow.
11h08
